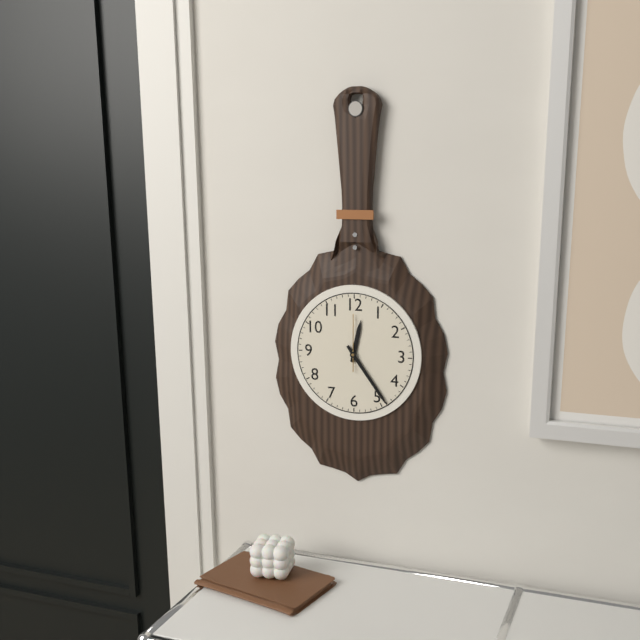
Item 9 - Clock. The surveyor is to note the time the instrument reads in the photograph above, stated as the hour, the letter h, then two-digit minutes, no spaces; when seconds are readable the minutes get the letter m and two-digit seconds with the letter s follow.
12h24m00s
